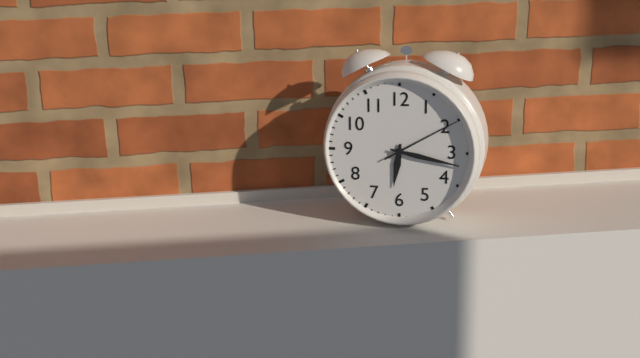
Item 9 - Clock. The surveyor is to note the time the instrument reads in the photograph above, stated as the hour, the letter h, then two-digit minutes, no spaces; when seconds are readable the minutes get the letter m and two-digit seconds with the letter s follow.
6h17m10s
